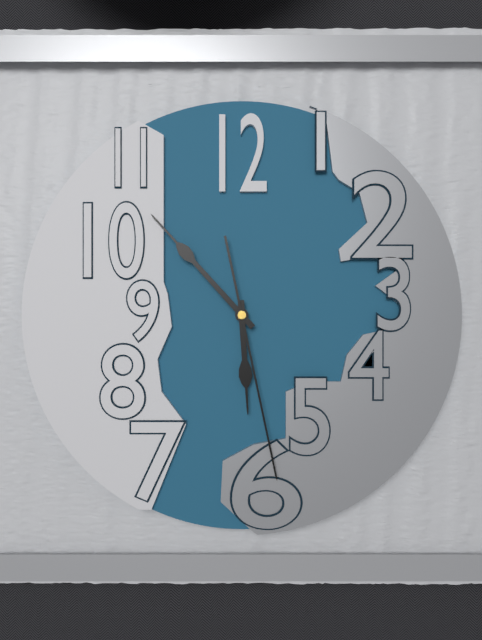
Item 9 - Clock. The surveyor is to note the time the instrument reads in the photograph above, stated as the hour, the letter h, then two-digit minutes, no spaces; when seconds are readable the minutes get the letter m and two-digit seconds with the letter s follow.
5h53m28s
